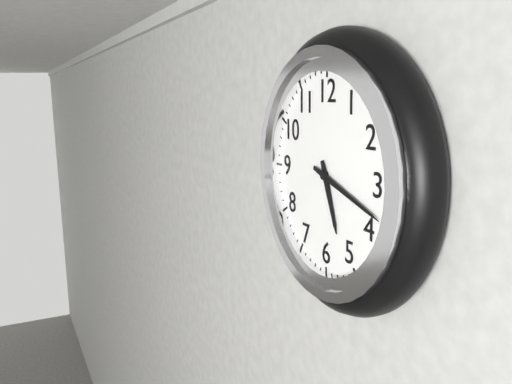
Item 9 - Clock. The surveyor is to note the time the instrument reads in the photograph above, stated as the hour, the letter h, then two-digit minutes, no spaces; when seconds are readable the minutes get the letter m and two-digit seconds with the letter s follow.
5h18
